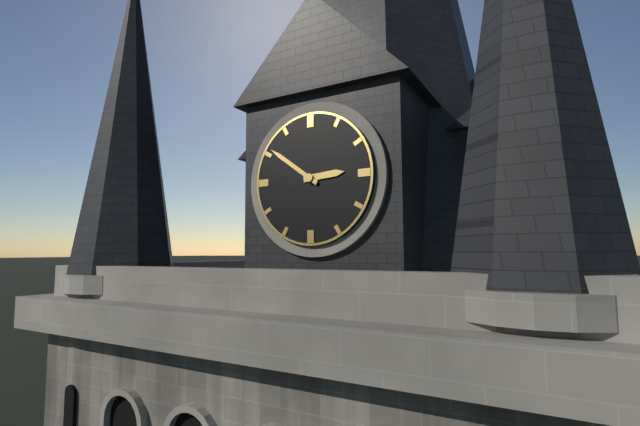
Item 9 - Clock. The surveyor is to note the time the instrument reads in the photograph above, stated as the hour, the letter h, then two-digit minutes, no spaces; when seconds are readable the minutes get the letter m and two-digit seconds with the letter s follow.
2h51
